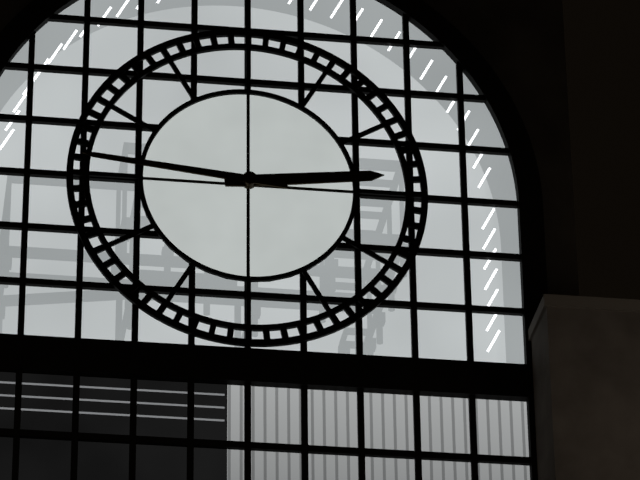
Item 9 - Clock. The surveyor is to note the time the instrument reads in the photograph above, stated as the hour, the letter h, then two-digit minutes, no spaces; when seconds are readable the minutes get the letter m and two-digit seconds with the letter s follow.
2h46
